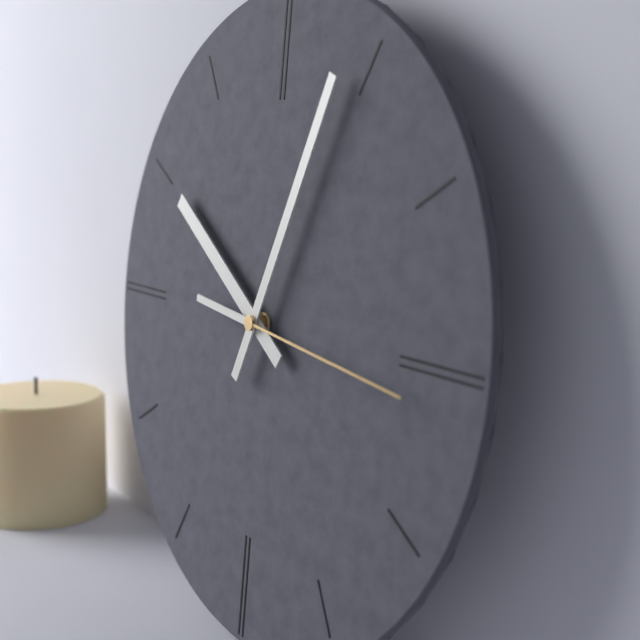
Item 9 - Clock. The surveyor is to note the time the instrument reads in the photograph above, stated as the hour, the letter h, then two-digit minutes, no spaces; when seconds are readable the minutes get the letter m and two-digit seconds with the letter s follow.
10h04m16s
